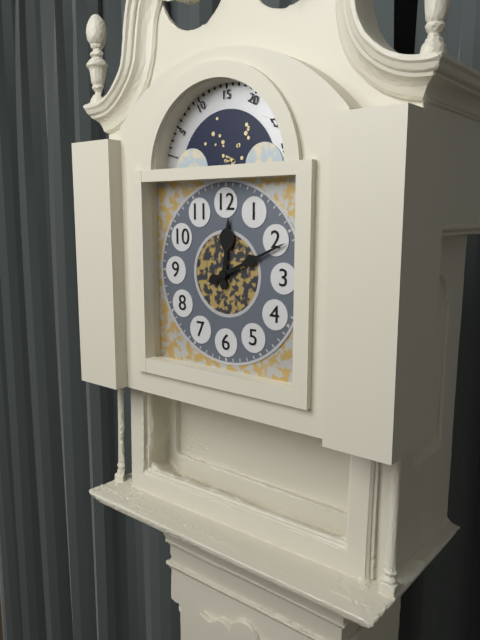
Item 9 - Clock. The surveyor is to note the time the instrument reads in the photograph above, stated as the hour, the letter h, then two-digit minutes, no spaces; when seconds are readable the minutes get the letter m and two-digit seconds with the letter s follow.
12h11
